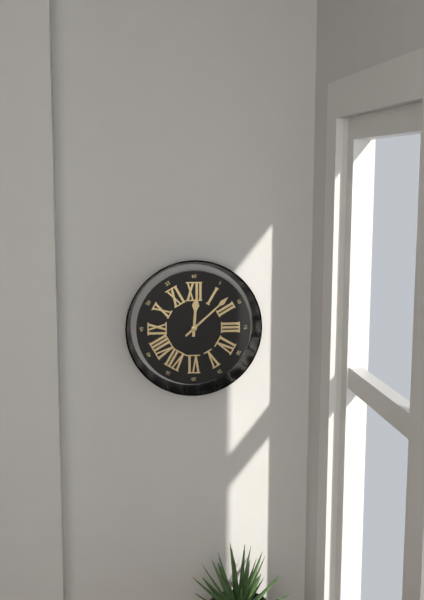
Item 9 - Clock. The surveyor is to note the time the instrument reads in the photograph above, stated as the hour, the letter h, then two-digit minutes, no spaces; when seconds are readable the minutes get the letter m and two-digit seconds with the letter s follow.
12h08
